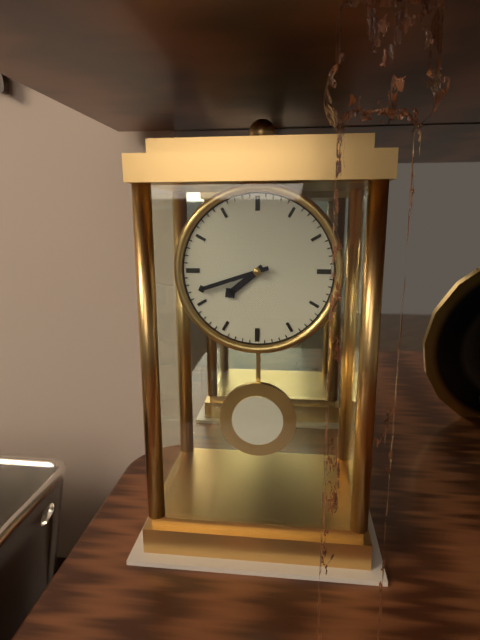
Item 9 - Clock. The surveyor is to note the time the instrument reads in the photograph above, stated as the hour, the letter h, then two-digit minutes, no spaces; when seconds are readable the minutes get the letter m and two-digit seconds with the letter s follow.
7h42
